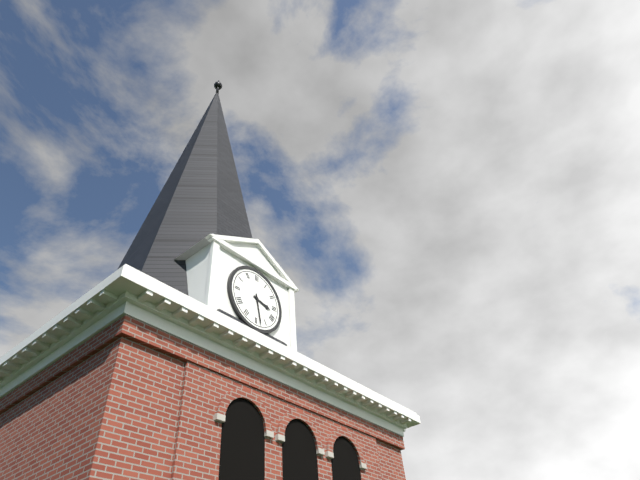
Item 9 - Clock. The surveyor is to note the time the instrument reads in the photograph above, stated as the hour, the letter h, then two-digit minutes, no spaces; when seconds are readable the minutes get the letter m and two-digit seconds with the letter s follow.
3h28
